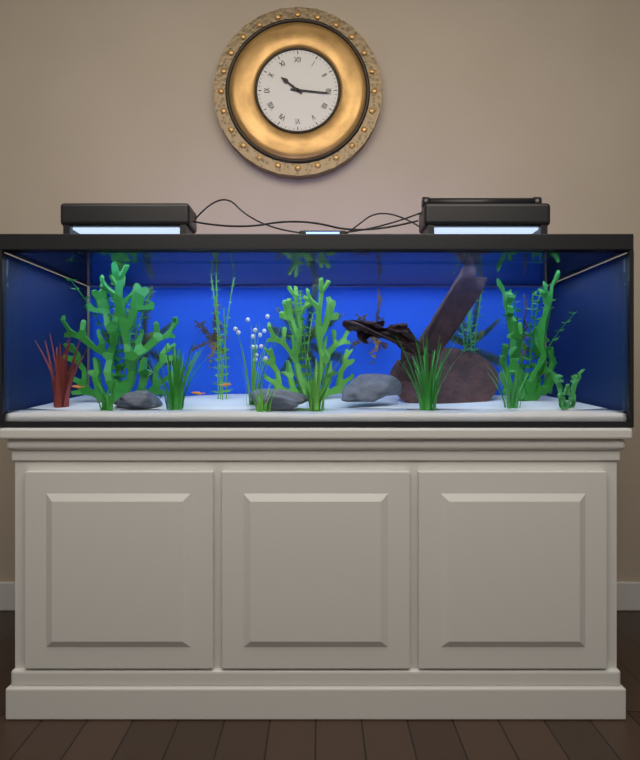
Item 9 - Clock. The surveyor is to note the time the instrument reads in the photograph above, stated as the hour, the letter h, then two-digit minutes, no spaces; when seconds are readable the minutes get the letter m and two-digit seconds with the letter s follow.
10h16
